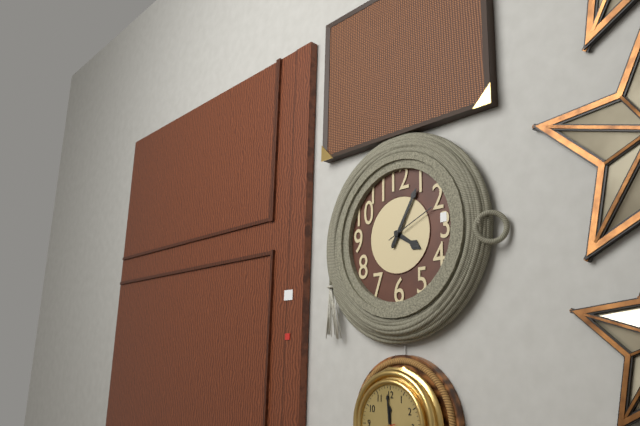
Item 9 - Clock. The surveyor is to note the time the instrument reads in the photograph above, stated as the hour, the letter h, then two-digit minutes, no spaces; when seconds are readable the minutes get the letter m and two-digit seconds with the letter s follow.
4h05m11s
